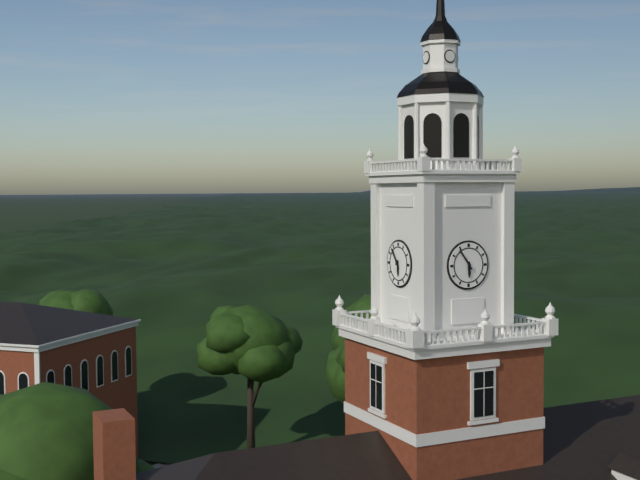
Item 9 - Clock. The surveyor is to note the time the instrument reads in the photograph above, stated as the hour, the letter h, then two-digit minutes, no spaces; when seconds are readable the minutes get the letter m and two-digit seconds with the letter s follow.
5h54
